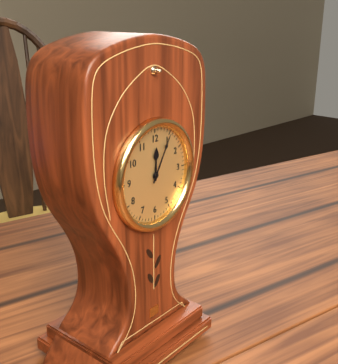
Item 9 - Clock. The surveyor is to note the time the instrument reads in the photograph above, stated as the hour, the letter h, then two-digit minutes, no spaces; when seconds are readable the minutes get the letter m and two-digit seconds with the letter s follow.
12h05
